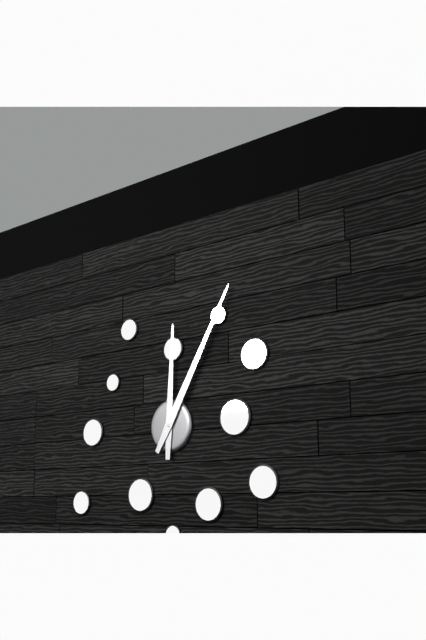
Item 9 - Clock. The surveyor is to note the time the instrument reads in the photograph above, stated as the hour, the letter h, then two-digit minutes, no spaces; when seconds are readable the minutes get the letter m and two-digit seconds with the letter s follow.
12h05
